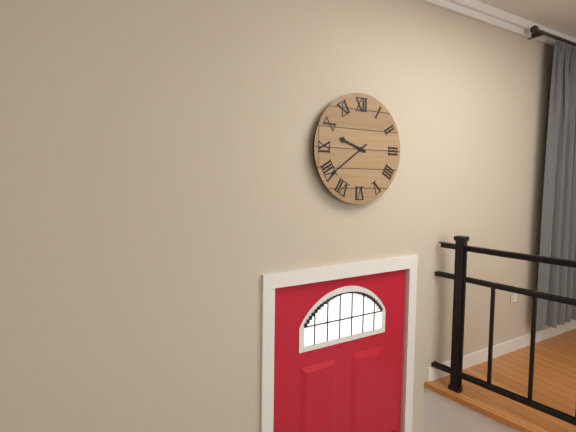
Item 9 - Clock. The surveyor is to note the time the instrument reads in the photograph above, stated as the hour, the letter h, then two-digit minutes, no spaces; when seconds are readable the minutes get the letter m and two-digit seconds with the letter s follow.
9h39
